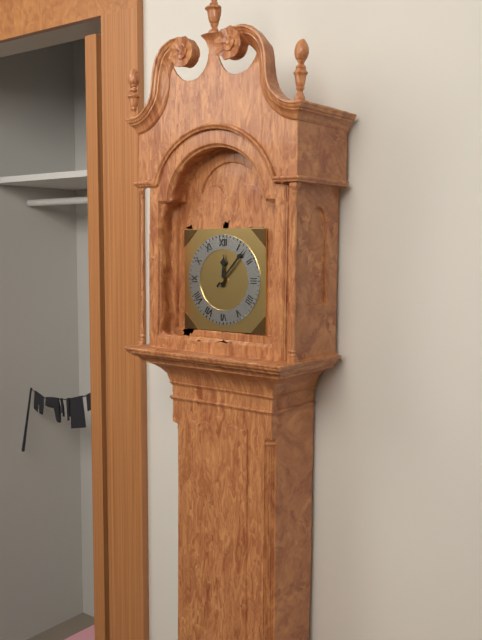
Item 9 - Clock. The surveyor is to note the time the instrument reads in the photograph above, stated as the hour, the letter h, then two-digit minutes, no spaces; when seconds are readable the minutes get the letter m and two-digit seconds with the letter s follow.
12h07
